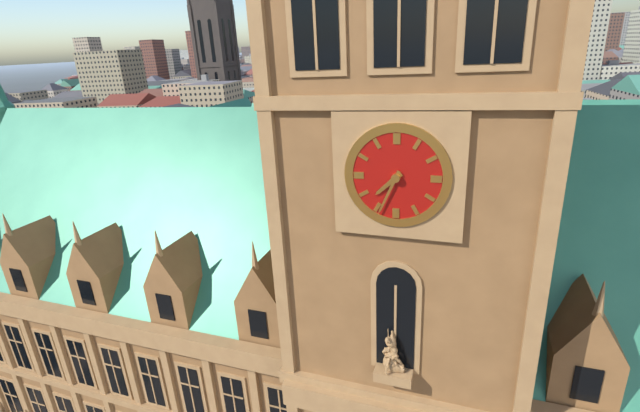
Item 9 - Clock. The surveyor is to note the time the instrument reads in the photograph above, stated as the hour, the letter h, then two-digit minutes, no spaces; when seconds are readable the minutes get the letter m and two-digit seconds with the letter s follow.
7h34
